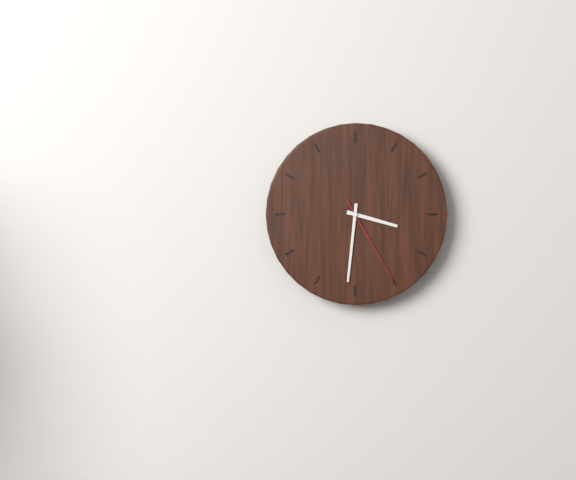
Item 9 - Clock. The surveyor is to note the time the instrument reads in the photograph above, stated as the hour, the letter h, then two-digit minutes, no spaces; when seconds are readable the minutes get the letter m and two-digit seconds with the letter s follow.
3h31m25s
